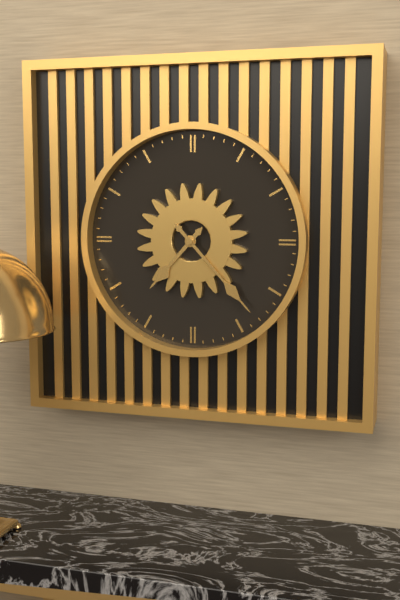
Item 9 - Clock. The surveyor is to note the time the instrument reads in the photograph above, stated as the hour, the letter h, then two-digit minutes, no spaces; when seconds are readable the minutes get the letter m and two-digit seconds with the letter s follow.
7h23
